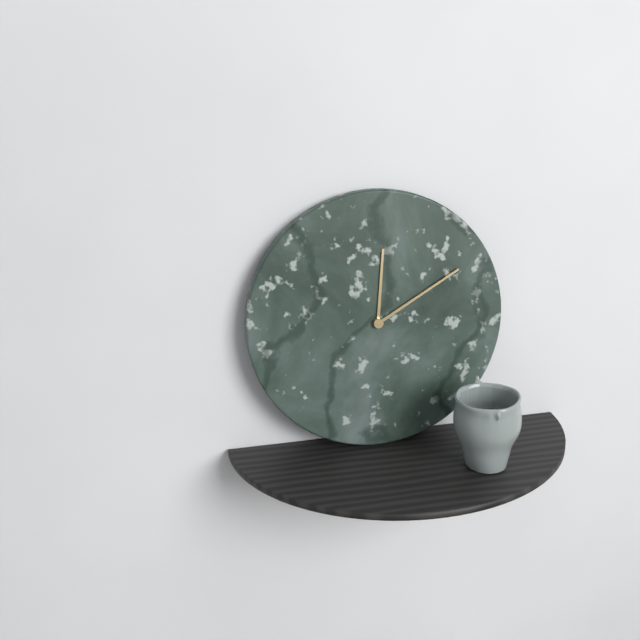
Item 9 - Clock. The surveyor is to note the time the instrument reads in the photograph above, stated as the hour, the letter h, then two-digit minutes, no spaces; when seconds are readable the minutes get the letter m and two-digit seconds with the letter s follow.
12h10
